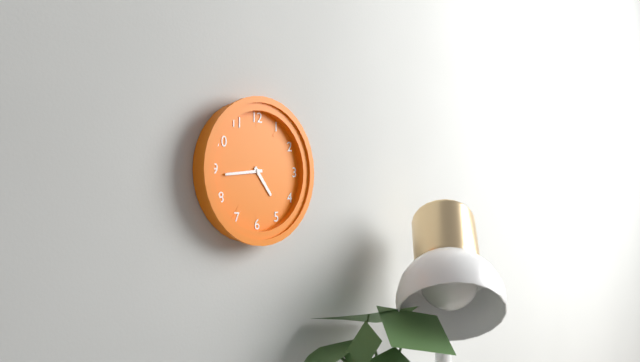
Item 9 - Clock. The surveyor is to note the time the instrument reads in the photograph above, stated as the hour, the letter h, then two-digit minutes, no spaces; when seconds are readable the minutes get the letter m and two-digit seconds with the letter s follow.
4h44
